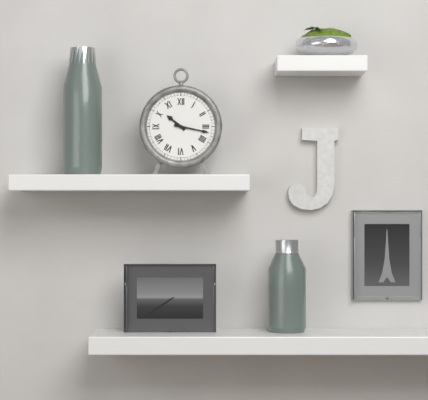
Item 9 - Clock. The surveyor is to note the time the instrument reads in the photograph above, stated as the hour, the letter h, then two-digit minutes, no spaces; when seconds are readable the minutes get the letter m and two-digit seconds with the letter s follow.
10h17
